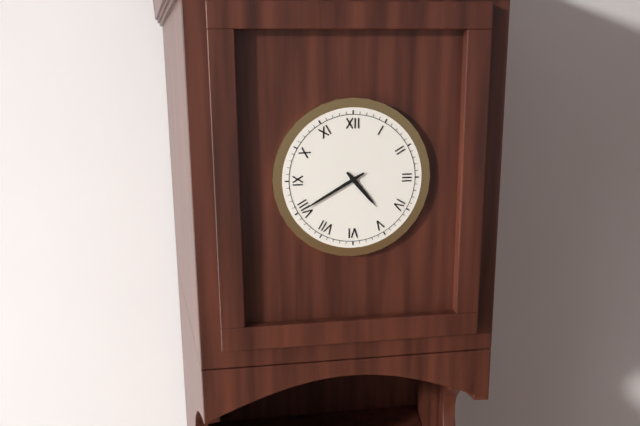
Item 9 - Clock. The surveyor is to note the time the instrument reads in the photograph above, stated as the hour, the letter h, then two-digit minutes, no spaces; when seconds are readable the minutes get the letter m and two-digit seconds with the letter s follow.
4h40
